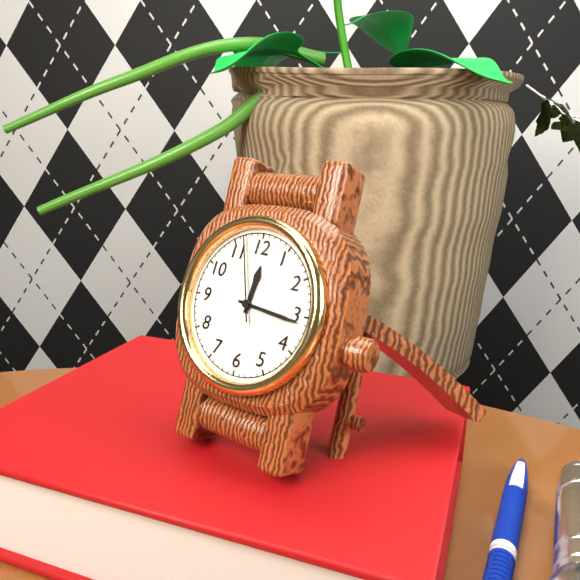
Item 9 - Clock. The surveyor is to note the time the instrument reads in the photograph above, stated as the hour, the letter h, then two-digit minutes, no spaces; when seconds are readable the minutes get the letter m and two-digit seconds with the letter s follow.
12h16m57s
